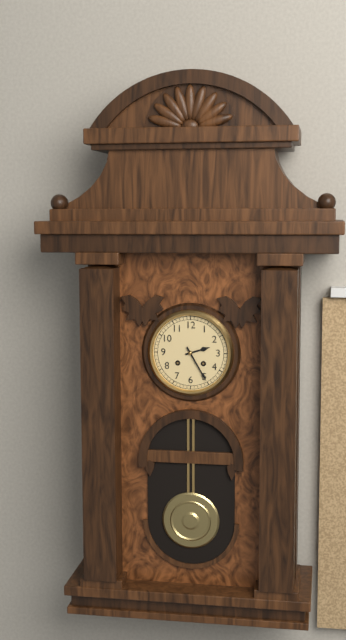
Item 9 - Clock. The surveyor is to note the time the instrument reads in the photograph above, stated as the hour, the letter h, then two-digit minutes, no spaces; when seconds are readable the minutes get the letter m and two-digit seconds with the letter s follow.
2h25
